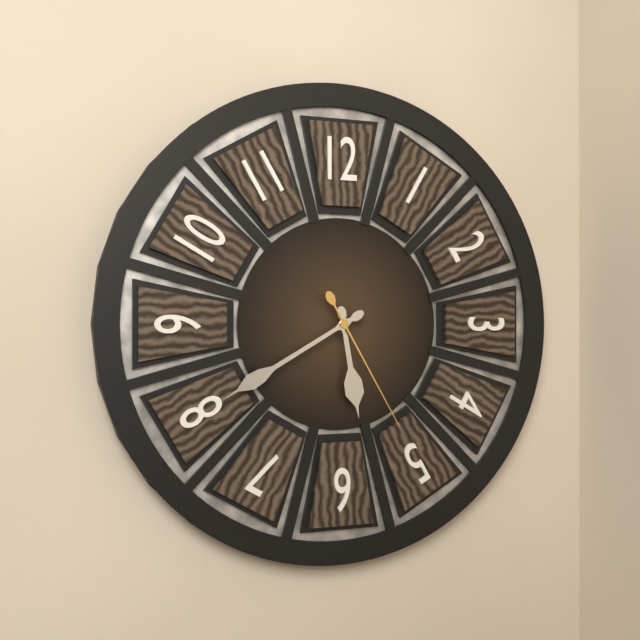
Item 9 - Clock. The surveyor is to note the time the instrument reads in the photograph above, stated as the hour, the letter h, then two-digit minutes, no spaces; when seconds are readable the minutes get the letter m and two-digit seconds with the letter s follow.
5h40m25s
